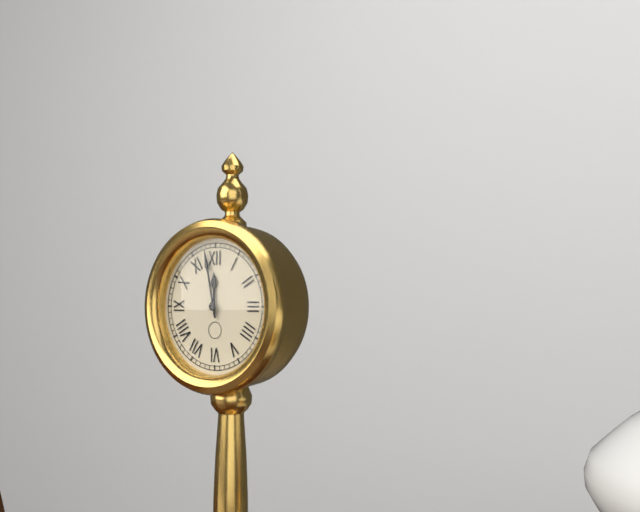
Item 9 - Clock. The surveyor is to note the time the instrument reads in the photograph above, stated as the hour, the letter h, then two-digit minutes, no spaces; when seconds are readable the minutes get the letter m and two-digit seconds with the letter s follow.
11h58
